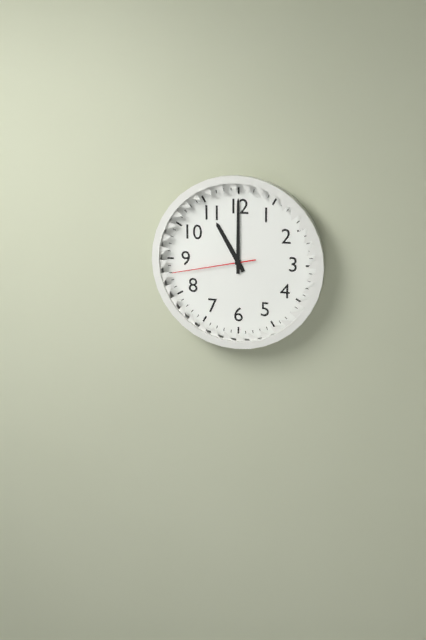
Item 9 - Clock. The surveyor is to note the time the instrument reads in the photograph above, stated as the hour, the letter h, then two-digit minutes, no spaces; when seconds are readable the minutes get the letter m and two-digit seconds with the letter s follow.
11h00m43s
